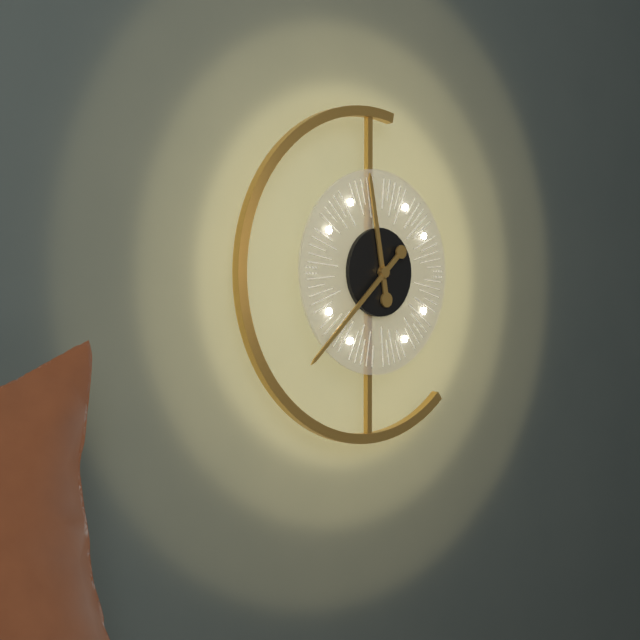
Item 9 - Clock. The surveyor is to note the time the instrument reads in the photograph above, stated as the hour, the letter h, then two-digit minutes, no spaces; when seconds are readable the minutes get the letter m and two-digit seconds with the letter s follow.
11h38
